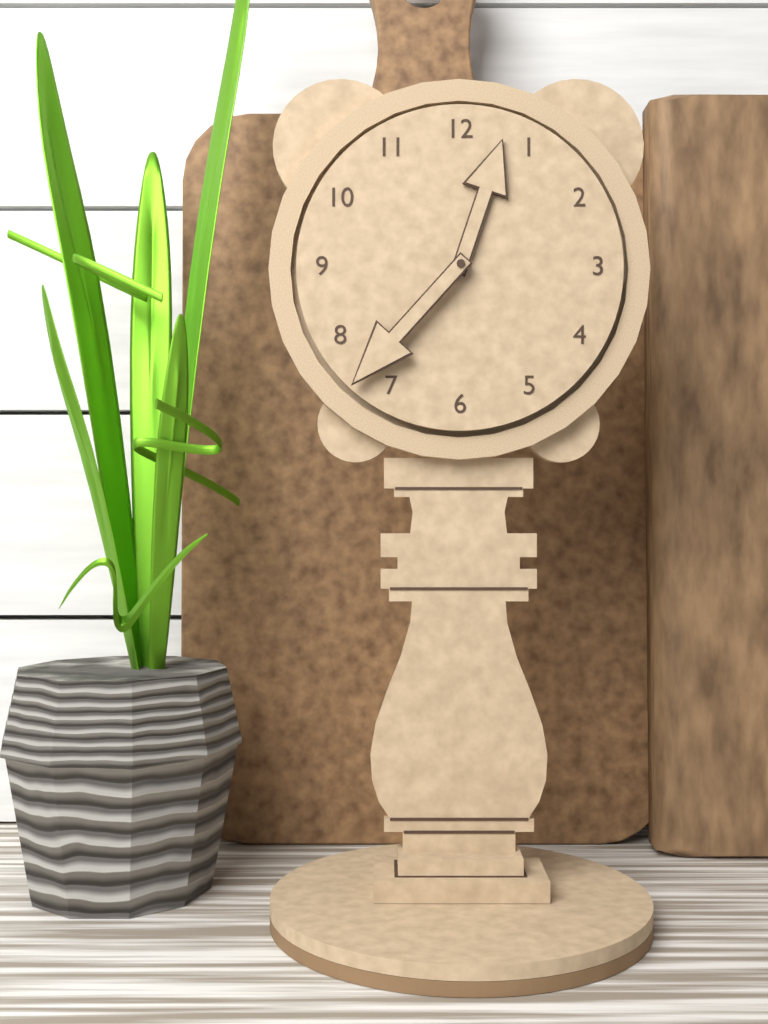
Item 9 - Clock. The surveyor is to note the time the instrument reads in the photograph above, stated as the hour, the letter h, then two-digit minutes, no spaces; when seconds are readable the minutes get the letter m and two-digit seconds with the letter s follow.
12h37
